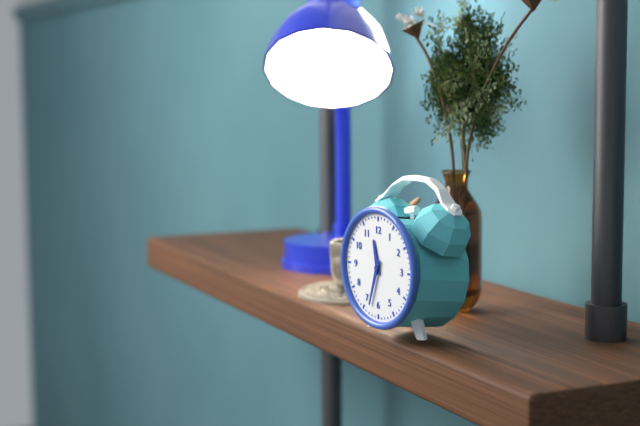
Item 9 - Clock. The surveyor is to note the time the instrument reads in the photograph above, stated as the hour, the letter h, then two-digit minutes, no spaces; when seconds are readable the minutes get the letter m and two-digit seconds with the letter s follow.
11h33
